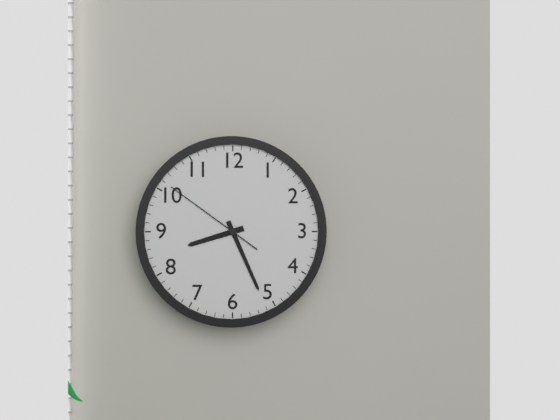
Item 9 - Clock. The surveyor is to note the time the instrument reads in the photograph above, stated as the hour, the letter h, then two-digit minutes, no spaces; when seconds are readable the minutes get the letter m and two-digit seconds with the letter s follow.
8h26m51s
